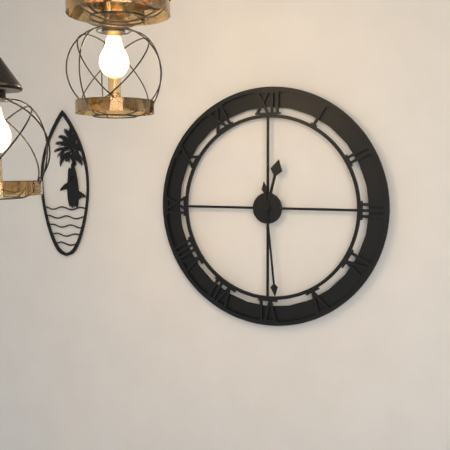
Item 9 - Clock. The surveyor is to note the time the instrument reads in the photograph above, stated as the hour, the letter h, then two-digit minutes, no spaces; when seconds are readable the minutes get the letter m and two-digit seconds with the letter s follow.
12h29
